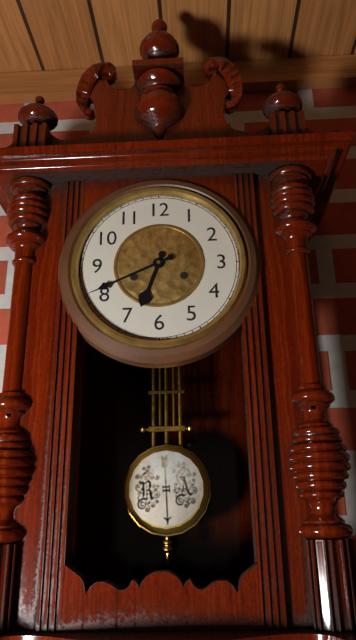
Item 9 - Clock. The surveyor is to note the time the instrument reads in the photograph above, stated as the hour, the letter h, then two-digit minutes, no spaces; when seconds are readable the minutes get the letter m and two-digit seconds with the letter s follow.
6h41
